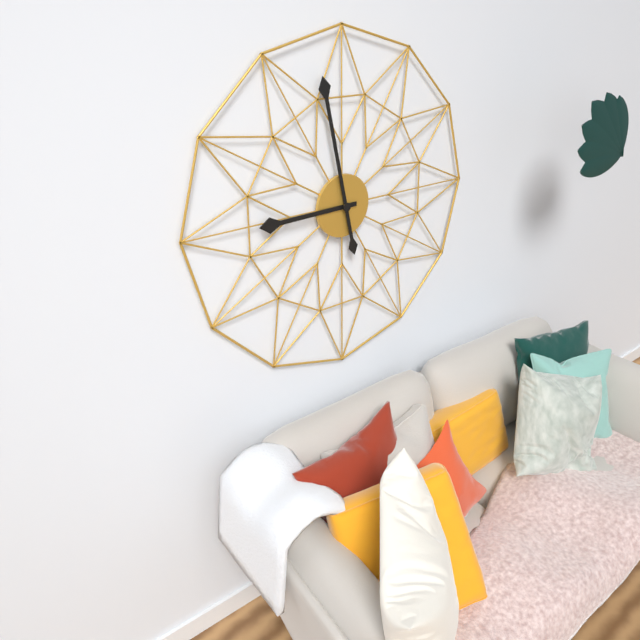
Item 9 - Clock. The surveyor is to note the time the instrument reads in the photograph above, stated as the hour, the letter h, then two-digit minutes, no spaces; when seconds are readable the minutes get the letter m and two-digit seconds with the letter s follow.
8h58
